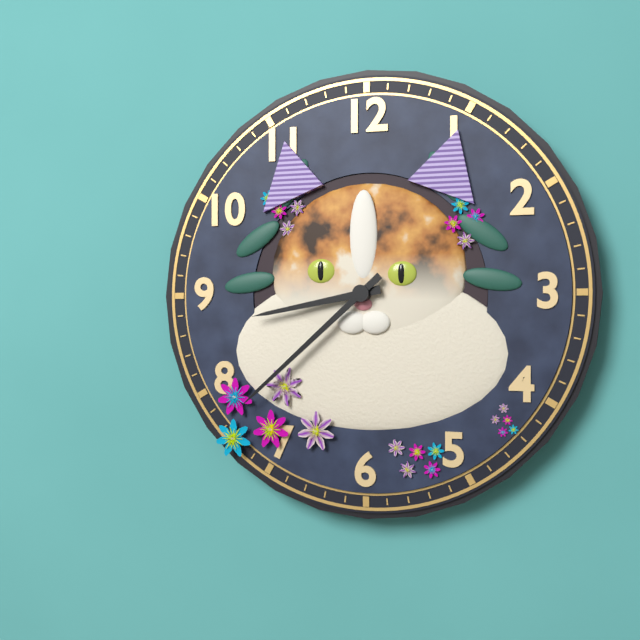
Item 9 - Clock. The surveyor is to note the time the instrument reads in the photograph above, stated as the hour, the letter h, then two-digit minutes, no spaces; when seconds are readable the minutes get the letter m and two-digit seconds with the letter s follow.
8h38
